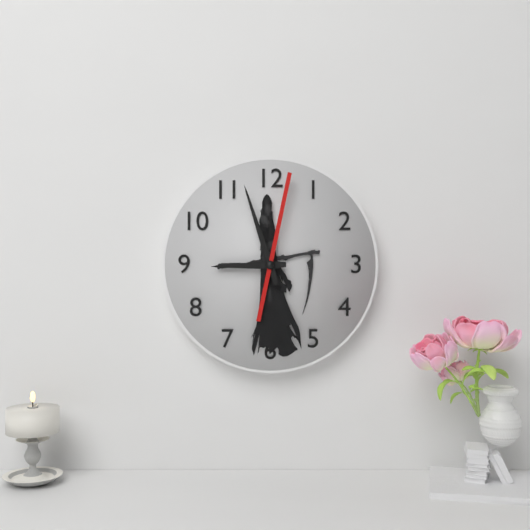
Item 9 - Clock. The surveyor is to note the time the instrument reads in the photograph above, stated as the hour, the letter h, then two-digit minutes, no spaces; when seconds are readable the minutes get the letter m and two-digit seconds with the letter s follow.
8h57m02s
